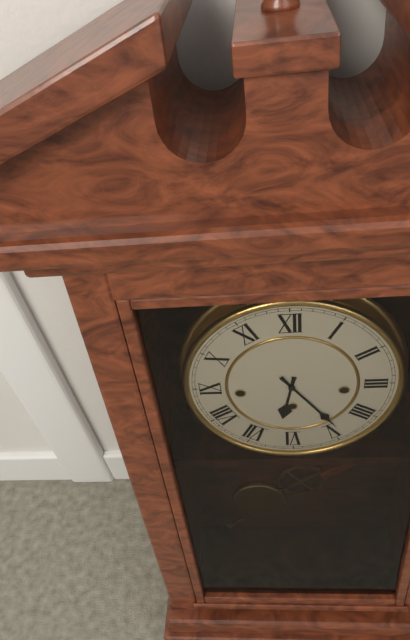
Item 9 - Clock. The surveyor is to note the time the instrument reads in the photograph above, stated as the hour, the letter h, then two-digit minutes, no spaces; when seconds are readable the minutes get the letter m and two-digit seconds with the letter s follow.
6h24
